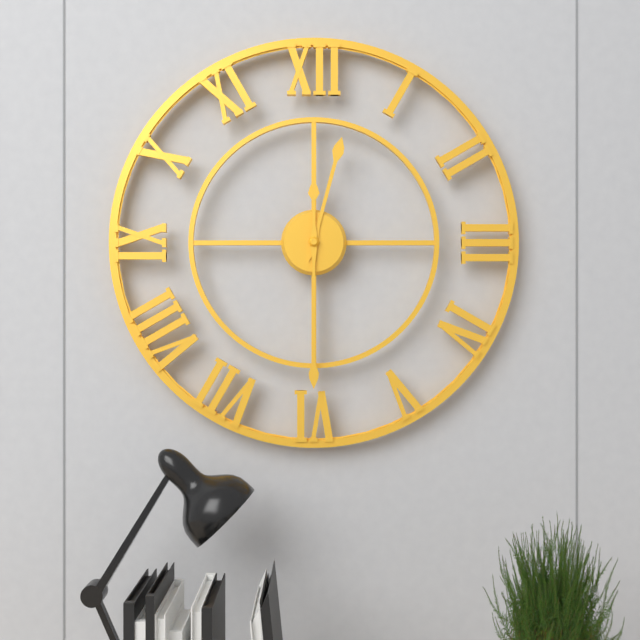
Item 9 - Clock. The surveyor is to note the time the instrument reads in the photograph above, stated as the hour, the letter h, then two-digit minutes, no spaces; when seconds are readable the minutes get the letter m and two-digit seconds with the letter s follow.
12h30
